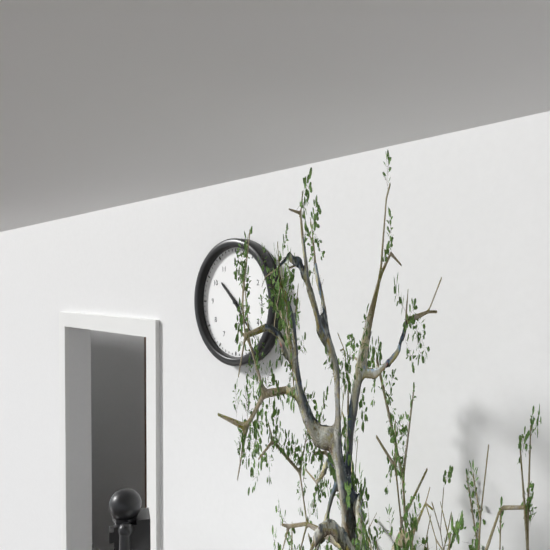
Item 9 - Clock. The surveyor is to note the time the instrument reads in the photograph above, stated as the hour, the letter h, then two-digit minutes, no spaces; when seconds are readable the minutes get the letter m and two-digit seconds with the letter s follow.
10h23
